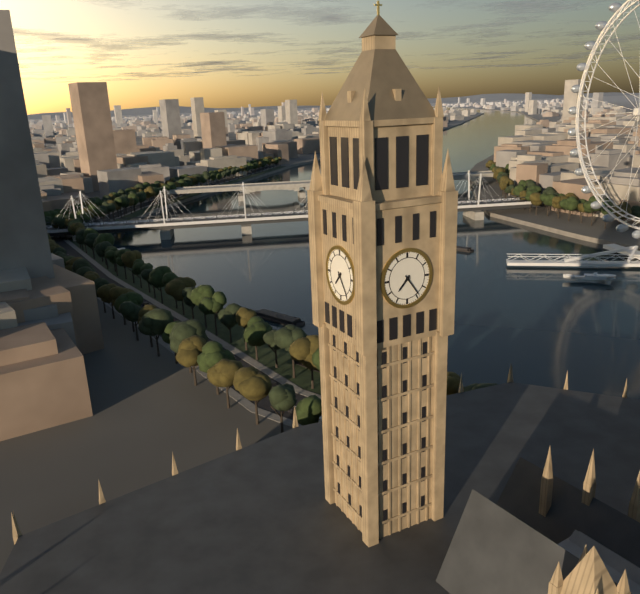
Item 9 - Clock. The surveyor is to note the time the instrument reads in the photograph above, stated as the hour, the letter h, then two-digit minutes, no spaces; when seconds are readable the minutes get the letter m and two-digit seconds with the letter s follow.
7h24
